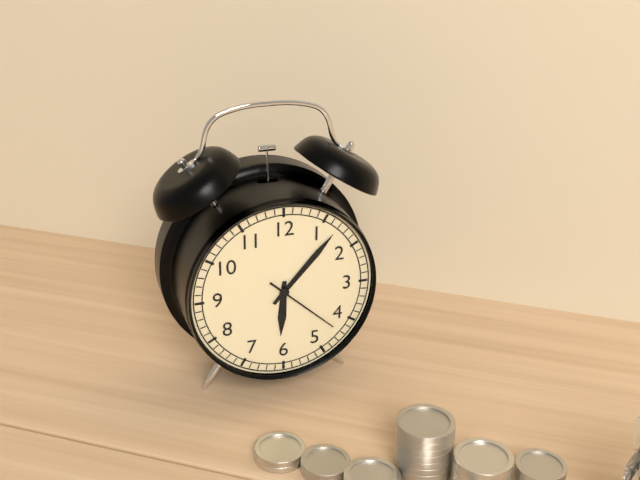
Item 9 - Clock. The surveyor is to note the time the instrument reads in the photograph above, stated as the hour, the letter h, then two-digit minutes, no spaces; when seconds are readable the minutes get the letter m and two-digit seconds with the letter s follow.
6h07m22s
